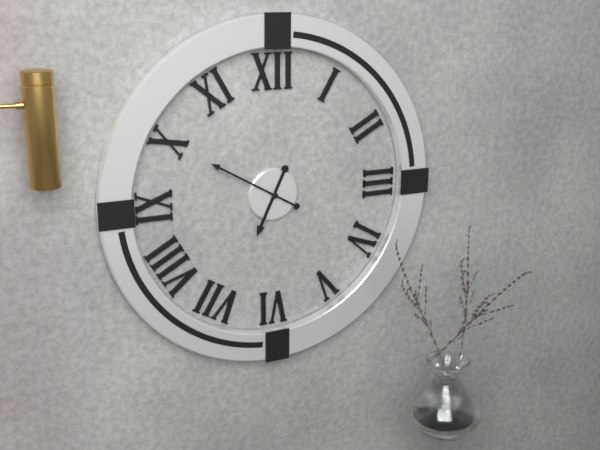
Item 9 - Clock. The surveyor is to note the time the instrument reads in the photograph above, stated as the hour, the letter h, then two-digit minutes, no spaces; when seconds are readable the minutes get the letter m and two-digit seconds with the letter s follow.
6h50
